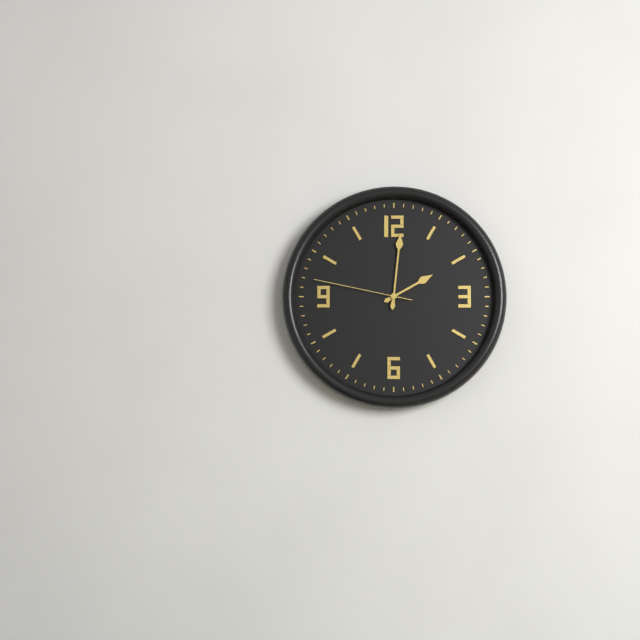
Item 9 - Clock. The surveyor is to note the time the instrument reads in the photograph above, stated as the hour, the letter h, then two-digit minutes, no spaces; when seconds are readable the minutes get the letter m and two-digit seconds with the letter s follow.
2h01m47s
